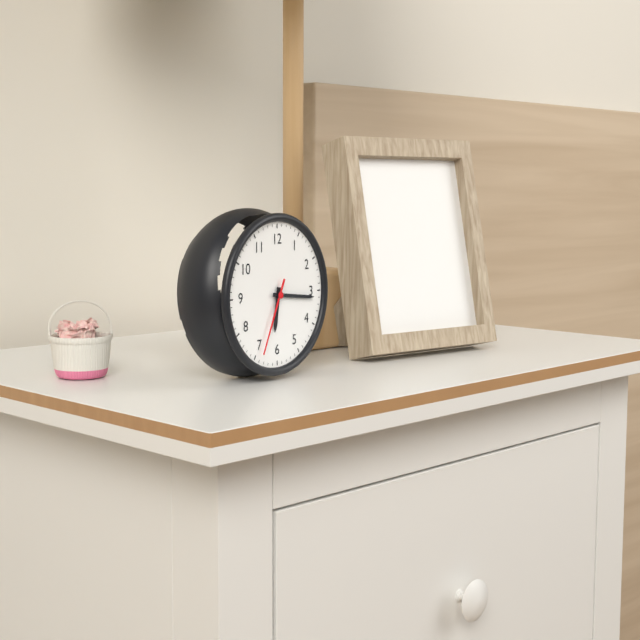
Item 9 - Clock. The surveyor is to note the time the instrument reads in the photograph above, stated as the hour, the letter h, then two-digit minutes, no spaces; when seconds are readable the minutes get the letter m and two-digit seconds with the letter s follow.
6h16m34s
